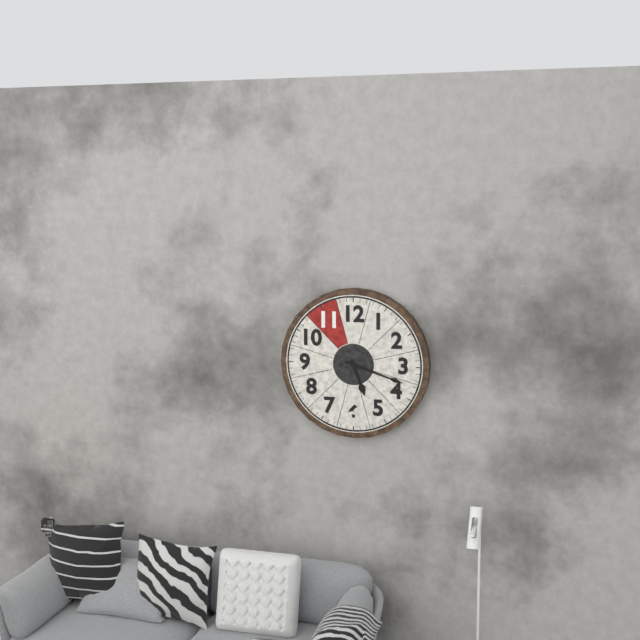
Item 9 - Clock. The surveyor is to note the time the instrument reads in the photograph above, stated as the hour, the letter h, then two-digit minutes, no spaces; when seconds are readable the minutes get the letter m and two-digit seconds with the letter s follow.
5h18
